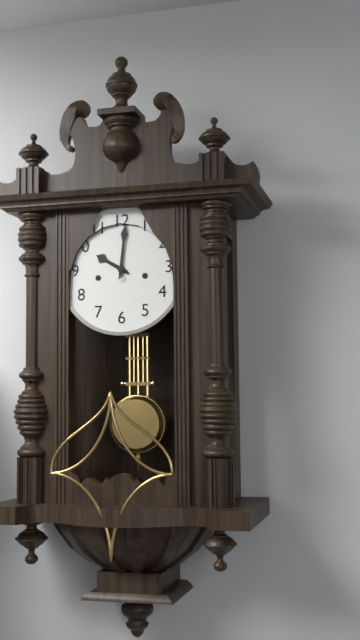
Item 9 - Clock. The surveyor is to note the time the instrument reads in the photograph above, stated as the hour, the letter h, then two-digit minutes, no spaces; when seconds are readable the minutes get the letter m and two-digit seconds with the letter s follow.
10h01
